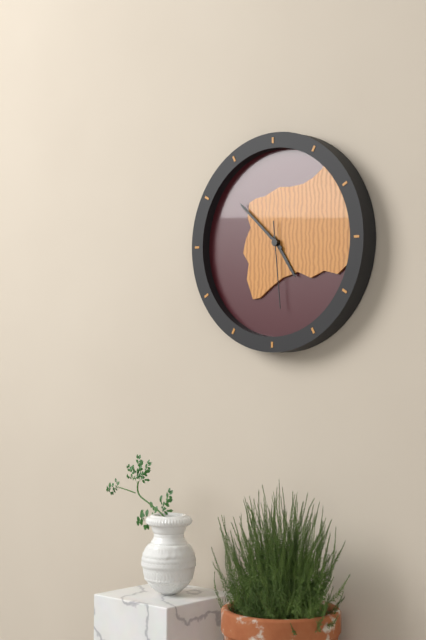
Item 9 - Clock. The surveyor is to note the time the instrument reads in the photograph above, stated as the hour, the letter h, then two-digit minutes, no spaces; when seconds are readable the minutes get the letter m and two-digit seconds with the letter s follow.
4h52m29s
